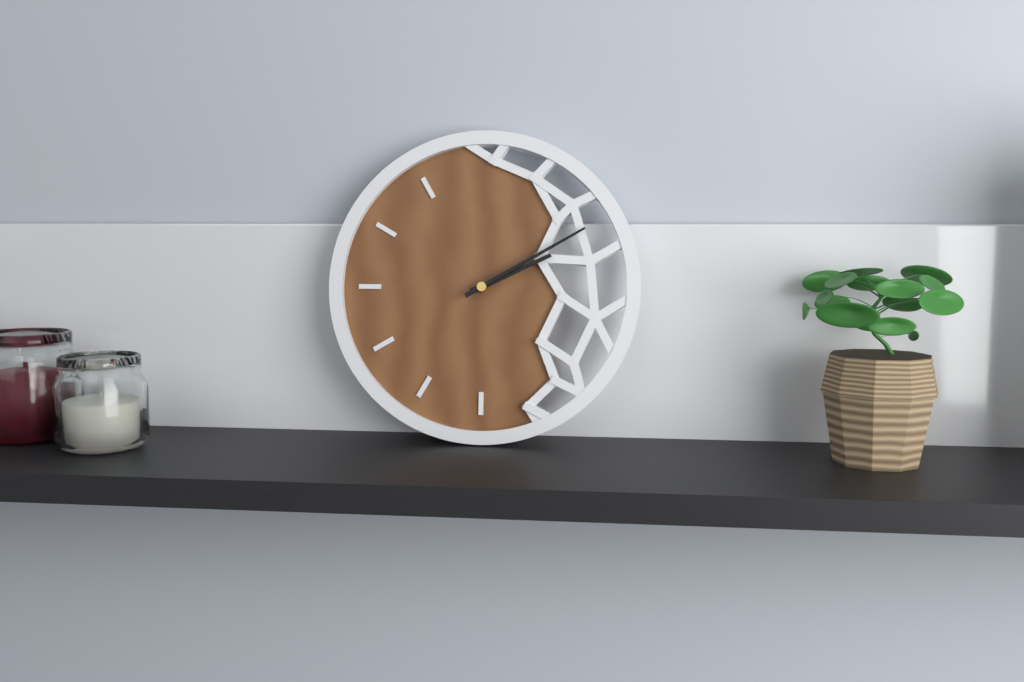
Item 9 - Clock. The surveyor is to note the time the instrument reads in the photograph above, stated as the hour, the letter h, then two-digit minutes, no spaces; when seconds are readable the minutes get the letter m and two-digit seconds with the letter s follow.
2h10
